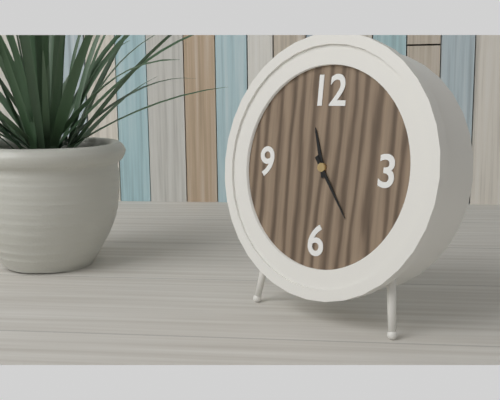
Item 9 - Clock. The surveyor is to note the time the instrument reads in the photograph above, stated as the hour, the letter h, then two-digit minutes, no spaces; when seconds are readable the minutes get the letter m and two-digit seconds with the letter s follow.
11h24
